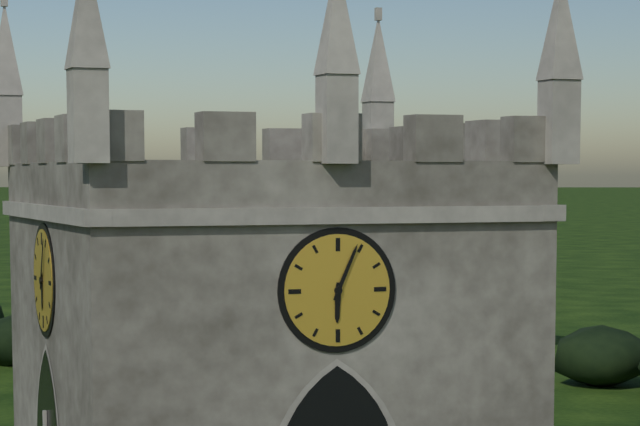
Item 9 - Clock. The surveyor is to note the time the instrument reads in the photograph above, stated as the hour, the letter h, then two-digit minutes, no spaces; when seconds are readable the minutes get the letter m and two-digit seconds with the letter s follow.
6h04
